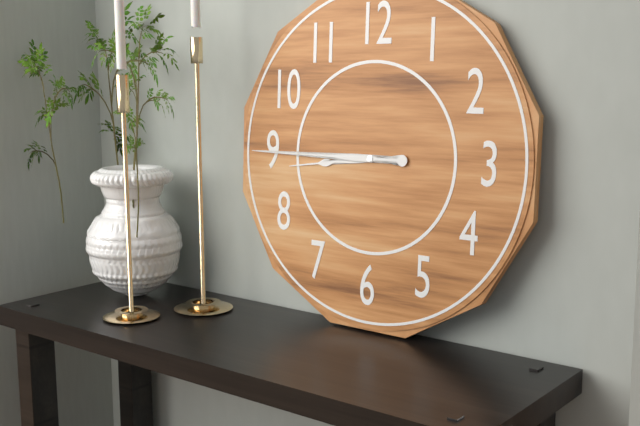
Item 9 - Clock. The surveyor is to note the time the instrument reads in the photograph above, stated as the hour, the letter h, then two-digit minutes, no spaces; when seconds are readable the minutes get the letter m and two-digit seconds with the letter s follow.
8h45
